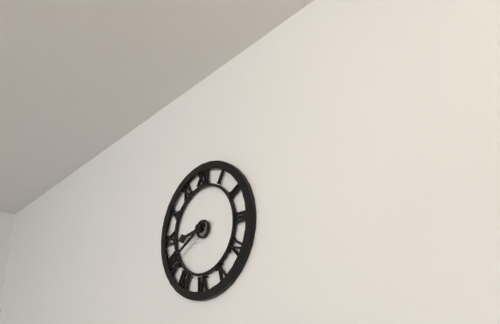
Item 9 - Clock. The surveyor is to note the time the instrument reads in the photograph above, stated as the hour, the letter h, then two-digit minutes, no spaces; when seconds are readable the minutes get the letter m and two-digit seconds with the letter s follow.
8h40
